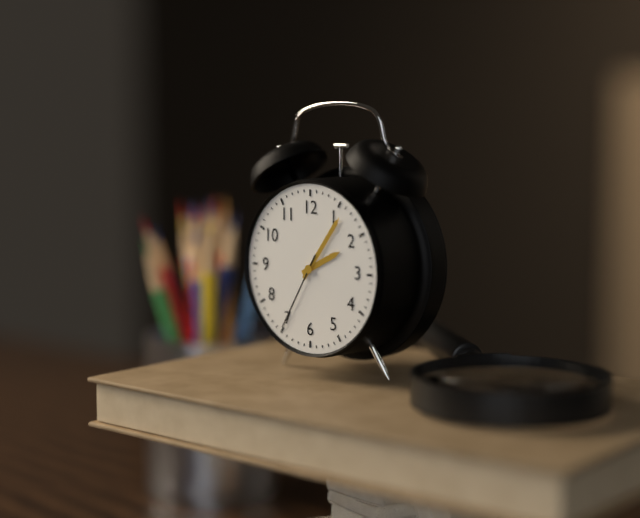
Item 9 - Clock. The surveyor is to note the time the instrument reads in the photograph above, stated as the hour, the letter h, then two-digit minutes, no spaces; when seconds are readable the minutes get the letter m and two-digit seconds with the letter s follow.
2h06m35s
